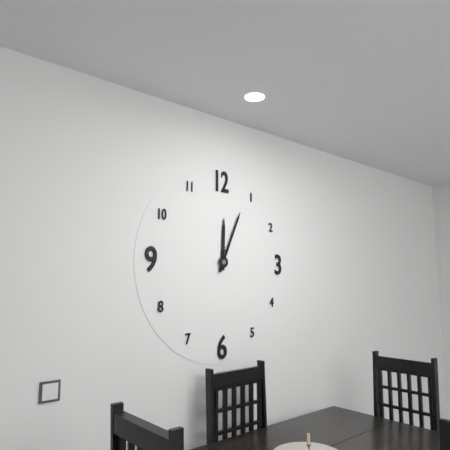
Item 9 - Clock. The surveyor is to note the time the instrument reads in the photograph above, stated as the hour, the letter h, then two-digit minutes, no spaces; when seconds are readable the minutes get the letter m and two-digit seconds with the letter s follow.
12h04
